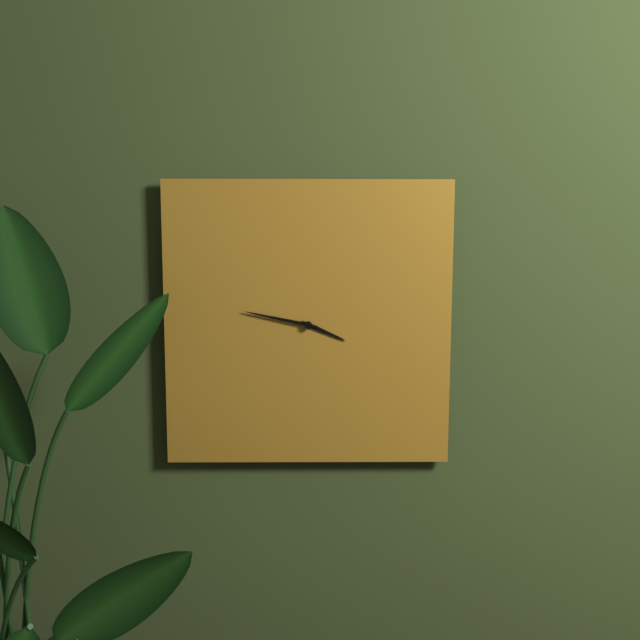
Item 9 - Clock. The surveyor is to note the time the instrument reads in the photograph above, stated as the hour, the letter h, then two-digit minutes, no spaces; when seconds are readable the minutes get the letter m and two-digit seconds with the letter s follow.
3h47
